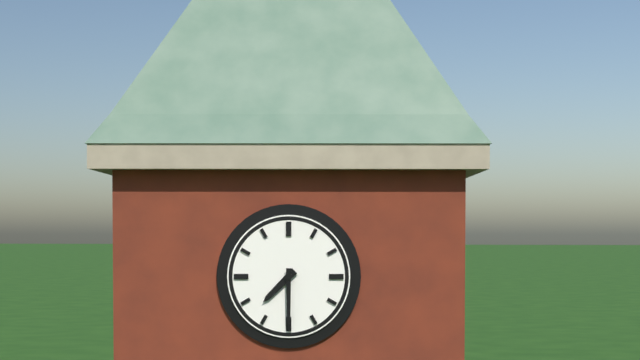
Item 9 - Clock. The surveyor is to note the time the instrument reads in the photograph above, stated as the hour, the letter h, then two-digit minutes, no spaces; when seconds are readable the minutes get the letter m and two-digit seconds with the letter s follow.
7h30
